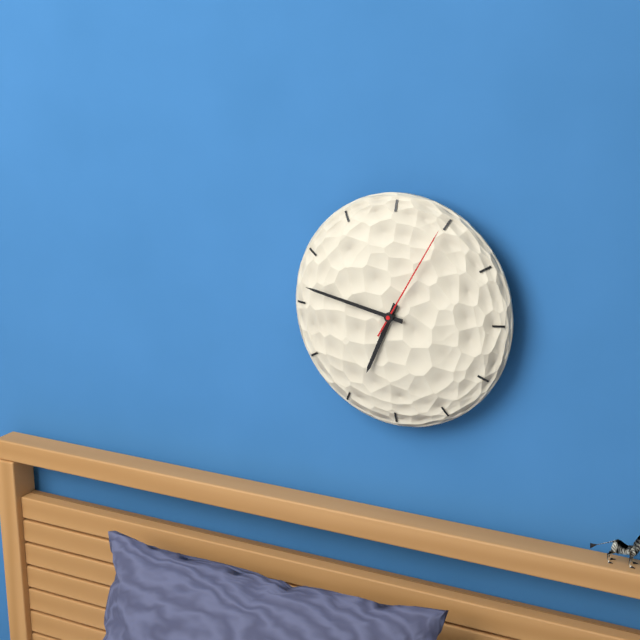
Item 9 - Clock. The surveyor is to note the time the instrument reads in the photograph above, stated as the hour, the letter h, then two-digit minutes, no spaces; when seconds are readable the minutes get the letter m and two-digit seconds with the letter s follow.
6h47m05s
